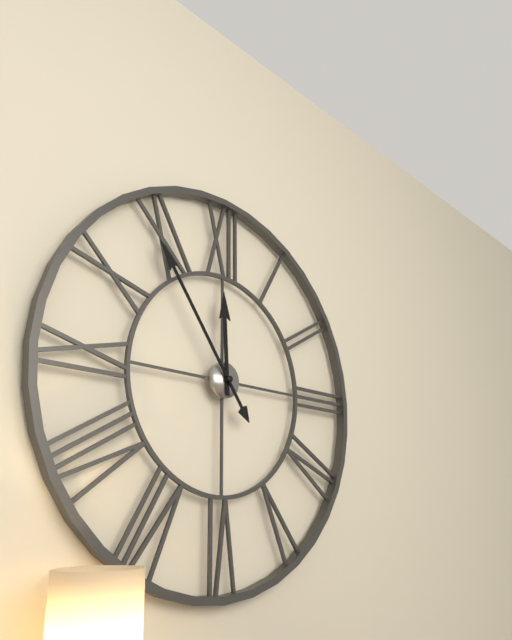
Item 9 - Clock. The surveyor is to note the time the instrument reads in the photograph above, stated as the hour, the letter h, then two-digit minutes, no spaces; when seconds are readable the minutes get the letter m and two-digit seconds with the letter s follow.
11h54
